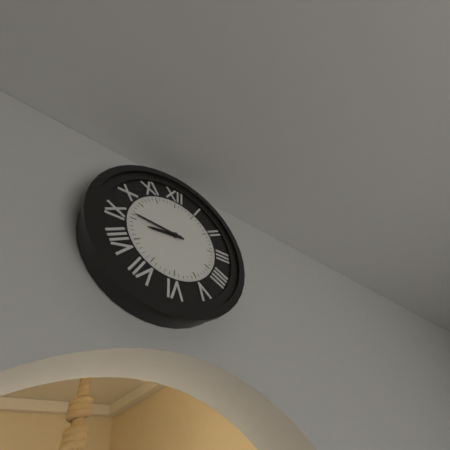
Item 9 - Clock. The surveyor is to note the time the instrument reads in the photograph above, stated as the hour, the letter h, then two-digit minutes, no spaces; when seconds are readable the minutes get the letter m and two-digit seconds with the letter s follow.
8h46
